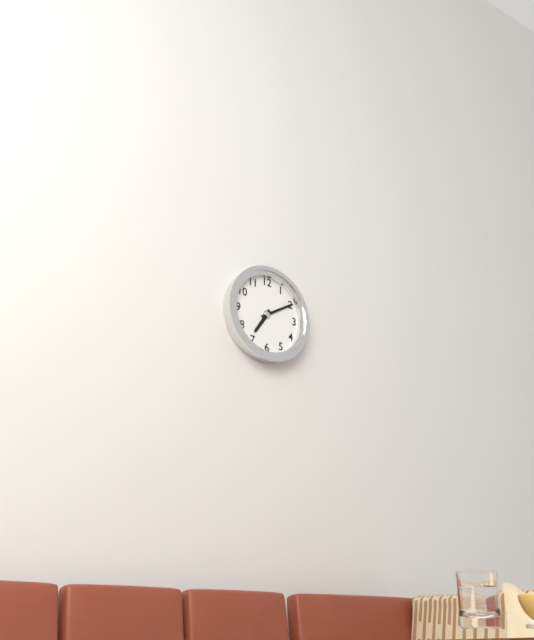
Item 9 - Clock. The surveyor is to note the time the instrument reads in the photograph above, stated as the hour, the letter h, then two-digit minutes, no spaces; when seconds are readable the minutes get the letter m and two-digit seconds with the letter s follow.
7h10
